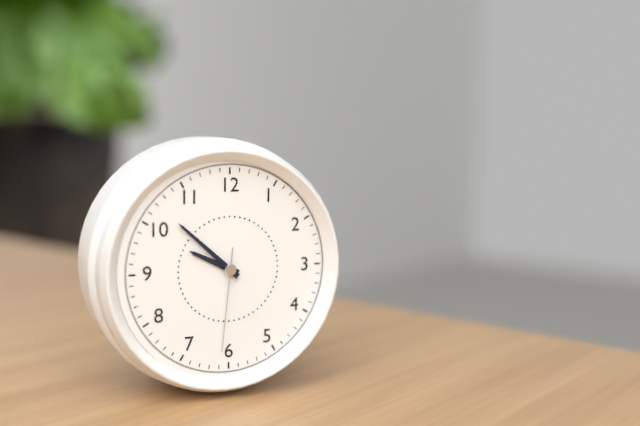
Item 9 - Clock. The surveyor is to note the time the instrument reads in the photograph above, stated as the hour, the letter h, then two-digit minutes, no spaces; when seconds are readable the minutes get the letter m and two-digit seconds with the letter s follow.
9h52m31s
